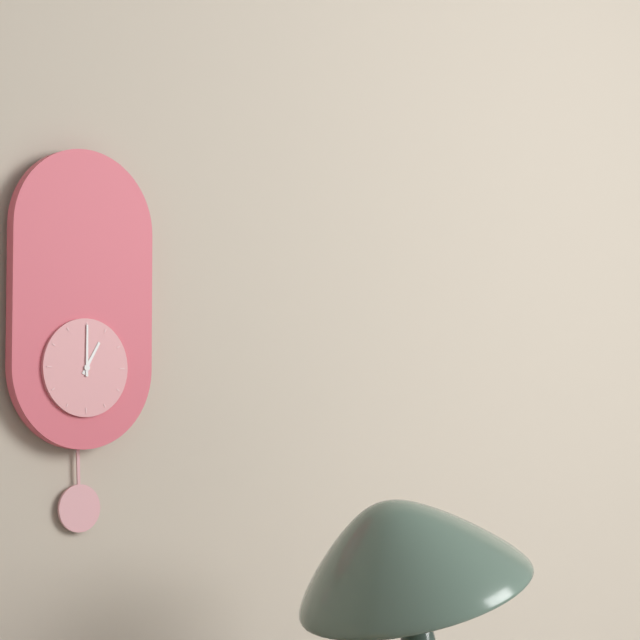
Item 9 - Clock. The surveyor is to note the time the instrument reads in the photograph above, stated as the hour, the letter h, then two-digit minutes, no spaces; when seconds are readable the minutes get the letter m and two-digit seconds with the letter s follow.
1h00
